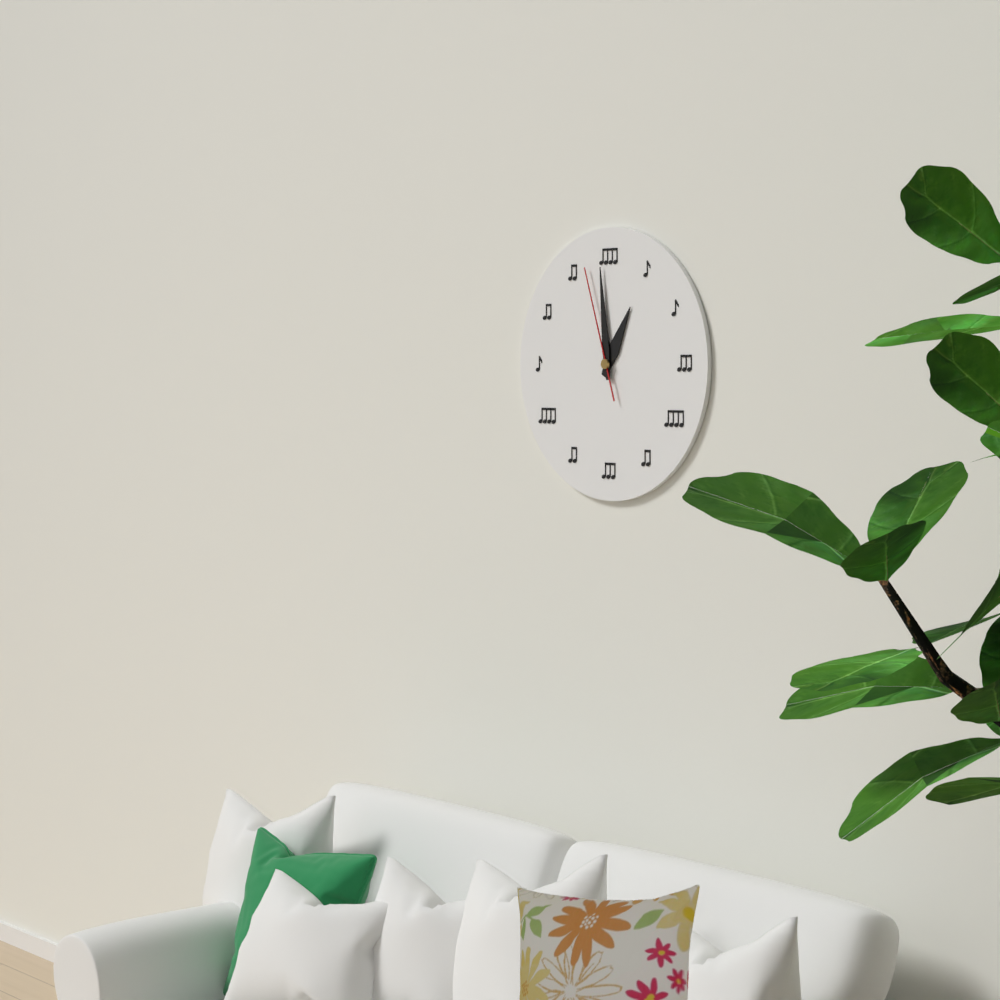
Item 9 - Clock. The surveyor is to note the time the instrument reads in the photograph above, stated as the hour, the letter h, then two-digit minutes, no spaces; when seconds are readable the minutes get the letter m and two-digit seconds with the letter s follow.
12h59m57s
